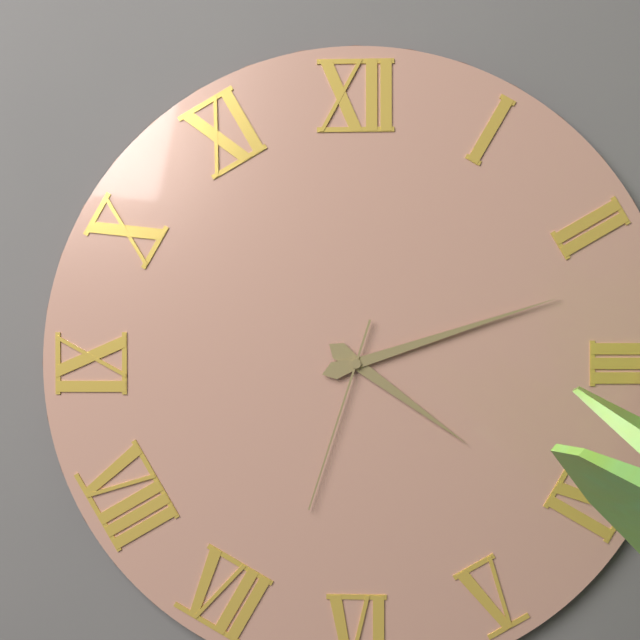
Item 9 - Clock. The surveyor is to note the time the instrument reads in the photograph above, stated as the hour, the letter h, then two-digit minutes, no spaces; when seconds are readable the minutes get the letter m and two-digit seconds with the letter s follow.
4h12m33s
